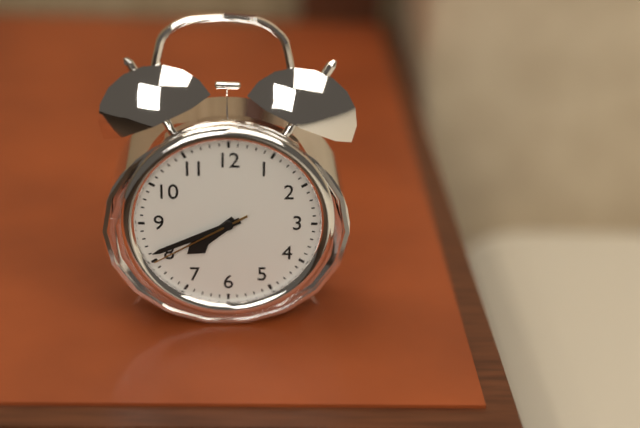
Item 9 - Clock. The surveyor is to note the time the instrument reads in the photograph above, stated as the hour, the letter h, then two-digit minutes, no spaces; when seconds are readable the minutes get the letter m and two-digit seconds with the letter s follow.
7h41m40s
